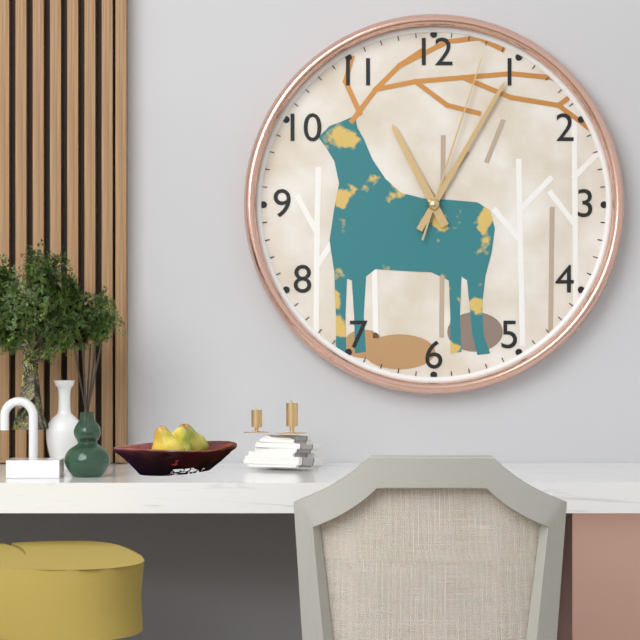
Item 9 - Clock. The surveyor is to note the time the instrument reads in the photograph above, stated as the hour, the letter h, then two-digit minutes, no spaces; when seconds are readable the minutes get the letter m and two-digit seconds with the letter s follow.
11h05m03s
